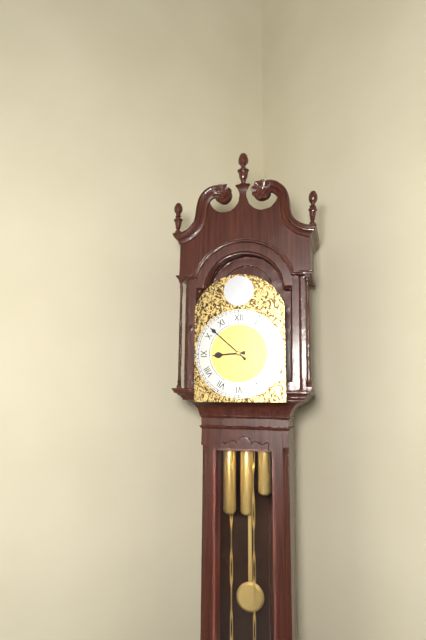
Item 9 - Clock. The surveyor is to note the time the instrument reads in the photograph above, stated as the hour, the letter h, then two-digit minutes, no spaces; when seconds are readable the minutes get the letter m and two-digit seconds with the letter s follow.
8h52
